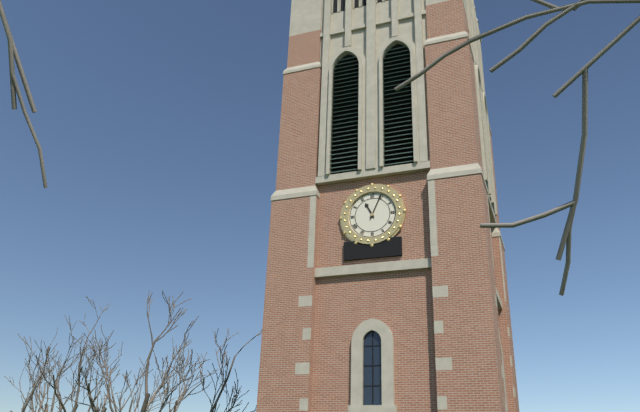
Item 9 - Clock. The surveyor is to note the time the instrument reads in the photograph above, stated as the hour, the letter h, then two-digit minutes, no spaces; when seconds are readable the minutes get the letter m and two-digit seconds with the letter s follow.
11h04
